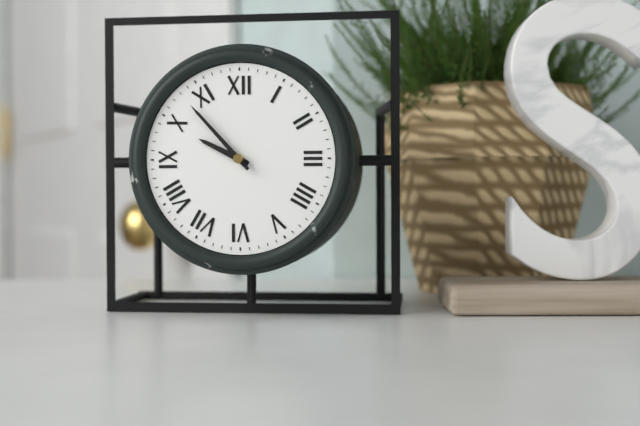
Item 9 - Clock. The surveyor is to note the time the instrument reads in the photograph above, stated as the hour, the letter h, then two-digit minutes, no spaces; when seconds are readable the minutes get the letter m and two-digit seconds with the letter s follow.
9h53
